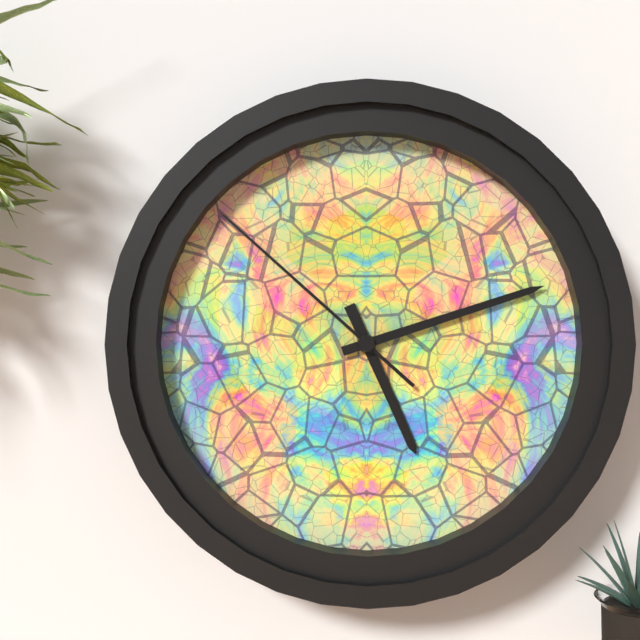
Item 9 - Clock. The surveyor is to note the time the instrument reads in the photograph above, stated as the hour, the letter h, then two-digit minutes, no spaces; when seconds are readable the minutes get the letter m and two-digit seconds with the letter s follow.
5h12m52s
